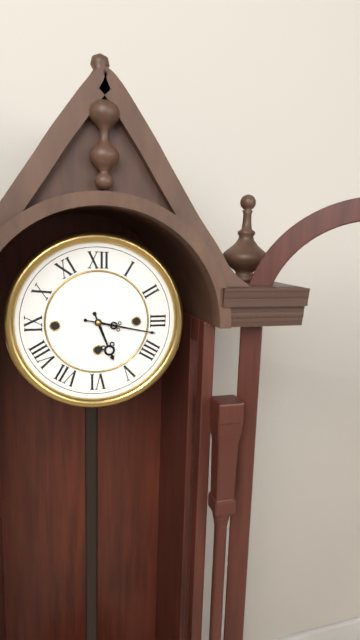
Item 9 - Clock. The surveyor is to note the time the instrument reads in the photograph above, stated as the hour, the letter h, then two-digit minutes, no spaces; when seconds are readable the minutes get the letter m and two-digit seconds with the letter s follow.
5h17
